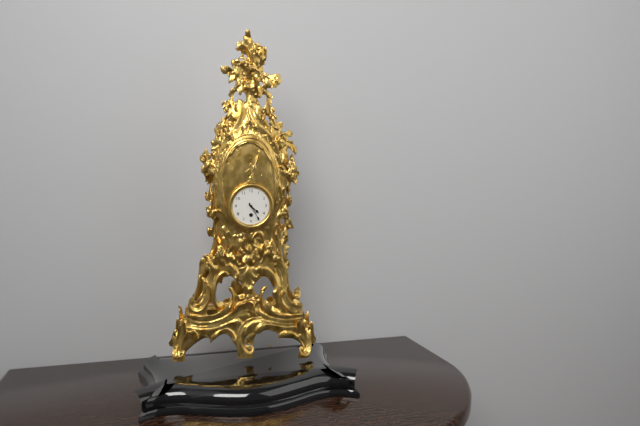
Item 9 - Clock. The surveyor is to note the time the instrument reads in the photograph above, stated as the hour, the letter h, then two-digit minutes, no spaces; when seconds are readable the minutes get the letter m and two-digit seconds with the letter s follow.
4h25
